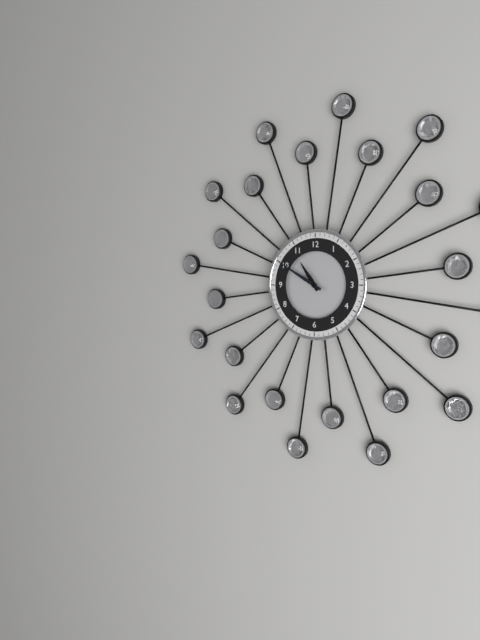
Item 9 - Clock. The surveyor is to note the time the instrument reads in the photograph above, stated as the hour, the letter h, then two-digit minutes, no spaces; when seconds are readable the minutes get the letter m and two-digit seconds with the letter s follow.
10h50
